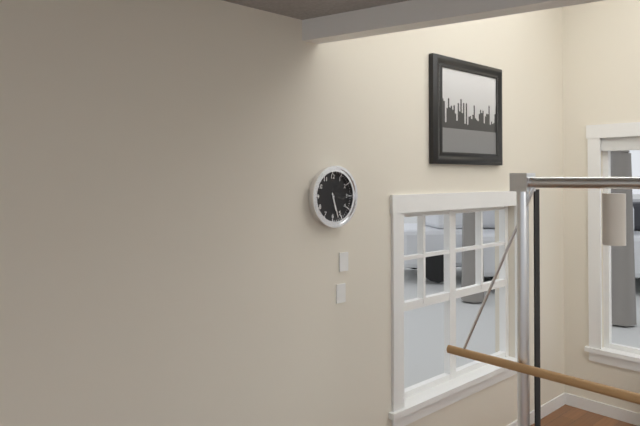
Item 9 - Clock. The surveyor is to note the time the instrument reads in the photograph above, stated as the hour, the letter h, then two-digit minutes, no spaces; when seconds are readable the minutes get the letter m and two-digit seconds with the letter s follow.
5h27
